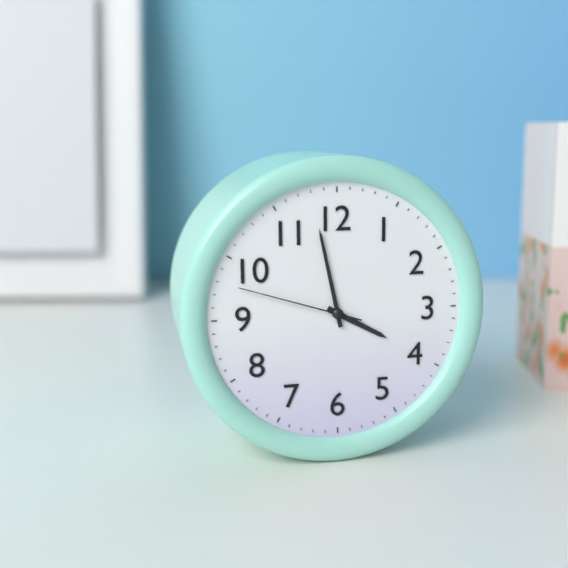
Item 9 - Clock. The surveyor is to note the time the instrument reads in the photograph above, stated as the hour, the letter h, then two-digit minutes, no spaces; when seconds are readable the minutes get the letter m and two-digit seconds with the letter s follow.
3h58m48s
